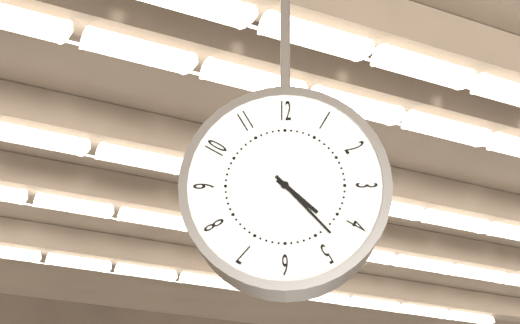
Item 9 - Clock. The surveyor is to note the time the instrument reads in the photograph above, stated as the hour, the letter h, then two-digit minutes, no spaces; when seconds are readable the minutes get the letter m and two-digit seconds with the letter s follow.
4h23
